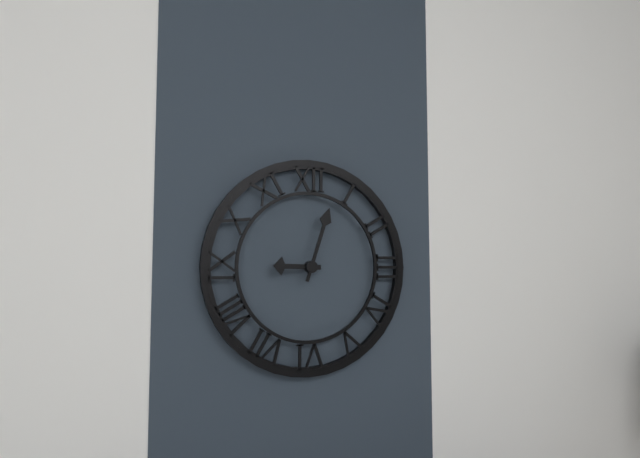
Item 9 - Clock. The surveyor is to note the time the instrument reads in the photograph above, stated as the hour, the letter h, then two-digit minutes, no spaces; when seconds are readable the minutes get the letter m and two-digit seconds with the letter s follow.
9h03
